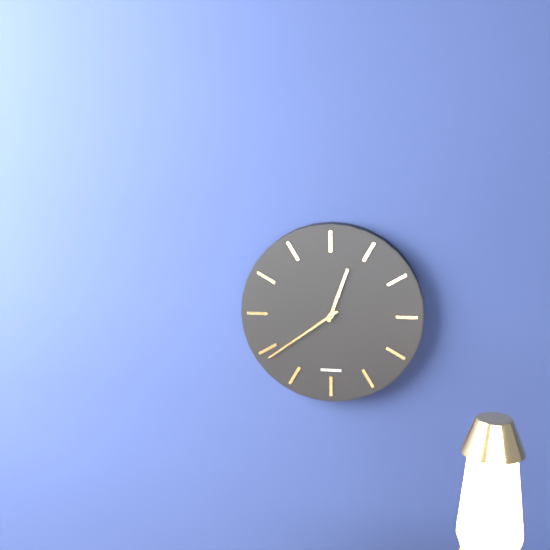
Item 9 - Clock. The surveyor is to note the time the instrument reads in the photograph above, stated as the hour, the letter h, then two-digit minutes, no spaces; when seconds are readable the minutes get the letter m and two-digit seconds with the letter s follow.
12h39
